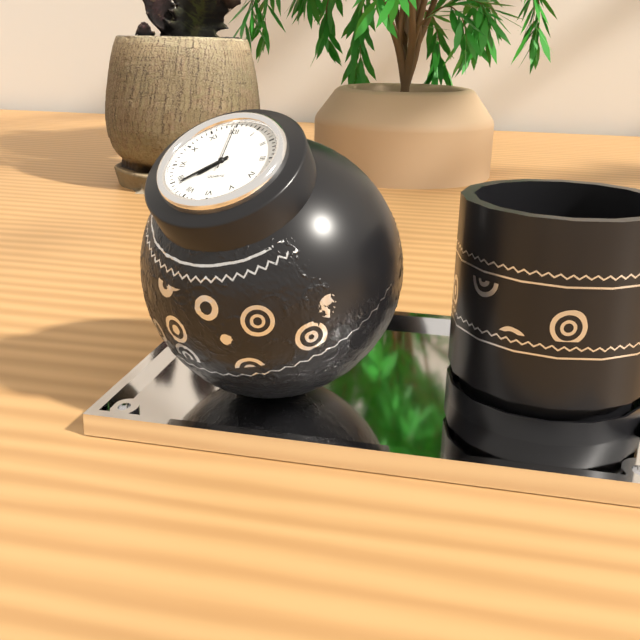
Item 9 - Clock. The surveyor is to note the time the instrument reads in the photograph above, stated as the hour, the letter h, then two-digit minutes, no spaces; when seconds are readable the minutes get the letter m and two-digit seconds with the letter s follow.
7h39m00s
